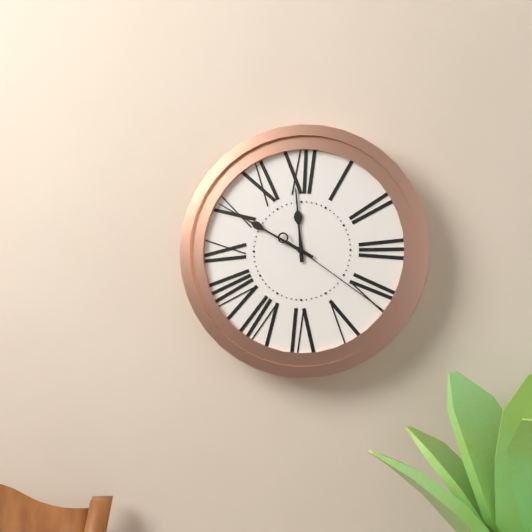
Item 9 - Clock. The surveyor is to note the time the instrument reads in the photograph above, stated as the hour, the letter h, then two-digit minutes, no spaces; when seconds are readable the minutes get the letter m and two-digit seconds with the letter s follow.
11h50m21s
